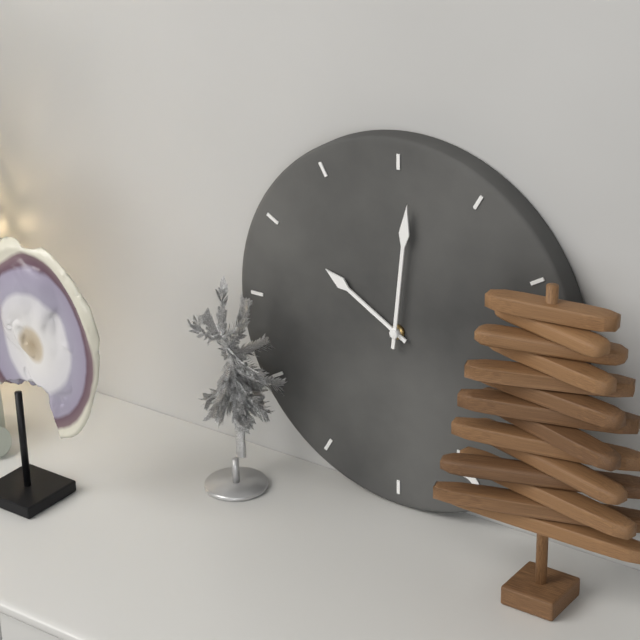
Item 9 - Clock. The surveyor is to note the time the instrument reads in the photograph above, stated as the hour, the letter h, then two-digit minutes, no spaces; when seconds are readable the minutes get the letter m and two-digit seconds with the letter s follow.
10h01
